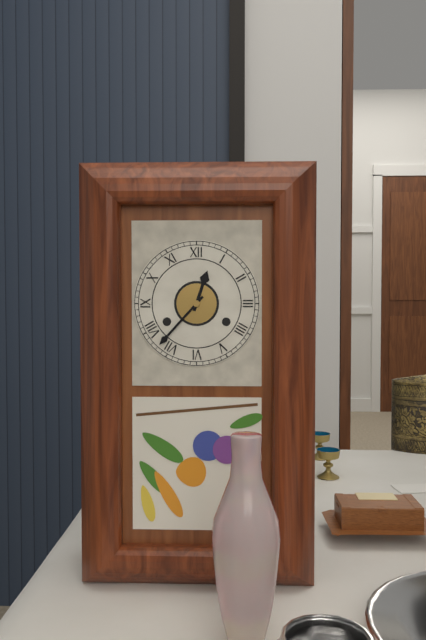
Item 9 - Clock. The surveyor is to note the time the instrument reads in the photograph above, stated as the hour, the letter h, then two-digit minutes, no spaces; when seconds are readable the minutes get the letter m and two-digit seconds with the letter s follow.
12h37
